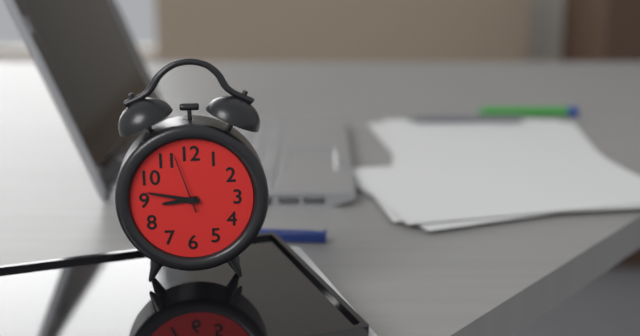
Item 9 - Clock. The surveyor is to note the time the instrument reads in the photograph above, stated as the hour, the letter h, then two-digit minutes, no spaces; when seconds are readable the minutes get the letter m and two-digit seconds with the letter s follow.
8h47m57s
